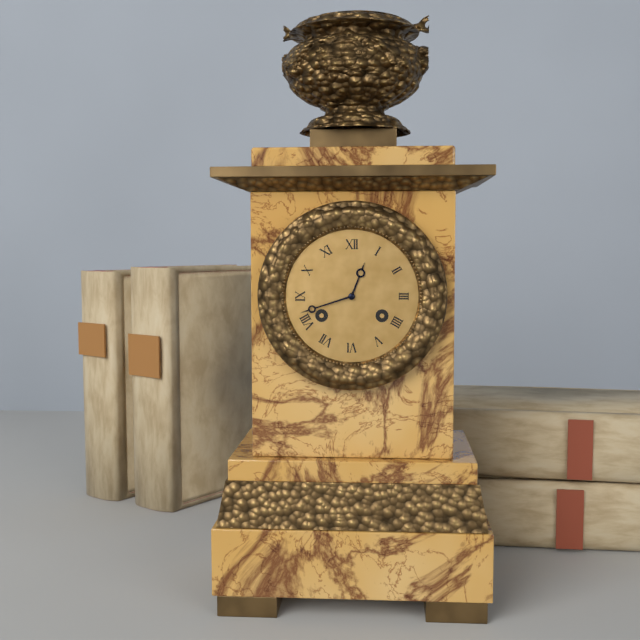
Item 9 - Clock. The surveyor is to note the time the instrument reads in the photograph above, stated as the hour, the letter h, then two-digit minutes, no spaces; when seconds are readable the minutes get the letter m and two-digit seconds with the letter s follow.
12h42
